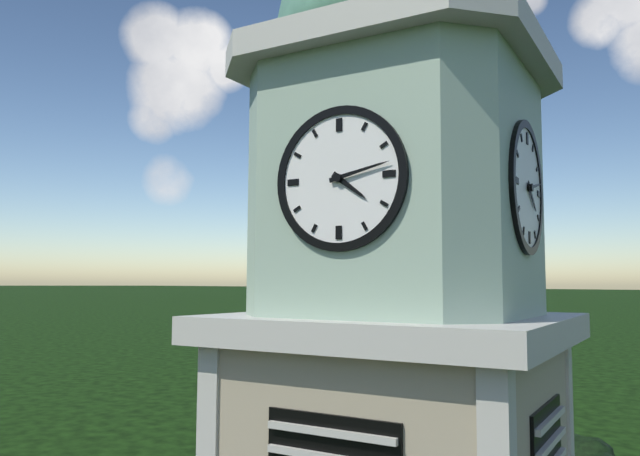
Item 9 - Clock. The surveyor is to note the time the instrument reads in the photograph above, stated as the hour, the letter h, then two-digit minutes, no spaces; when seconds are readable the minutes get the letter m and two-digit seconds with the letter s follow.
4h13
